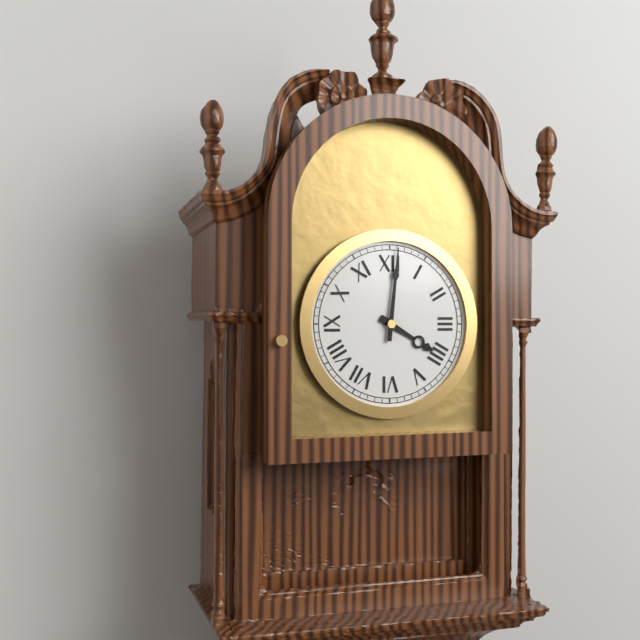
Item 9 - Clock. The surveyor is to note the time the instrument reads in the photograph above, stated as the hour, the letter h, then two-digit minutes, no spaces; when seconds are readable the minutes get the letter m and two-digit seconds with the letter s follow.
4h01
